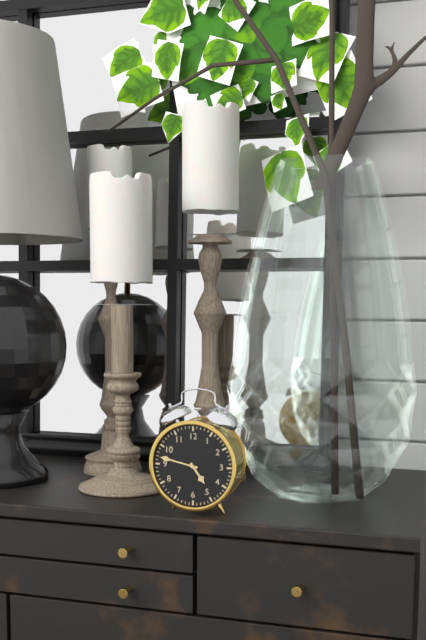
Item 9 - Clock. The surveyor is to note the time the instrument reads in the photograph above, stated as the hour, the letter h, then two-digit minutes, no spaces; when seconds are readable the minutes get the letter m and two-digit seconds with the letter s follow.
4h47
